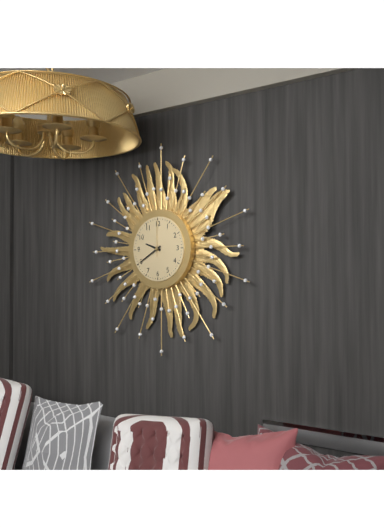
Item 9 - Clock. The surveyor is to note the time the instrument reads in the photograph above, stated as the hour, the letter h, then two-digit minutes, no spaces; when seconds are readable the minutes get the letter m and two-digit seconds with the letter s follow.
9h40
